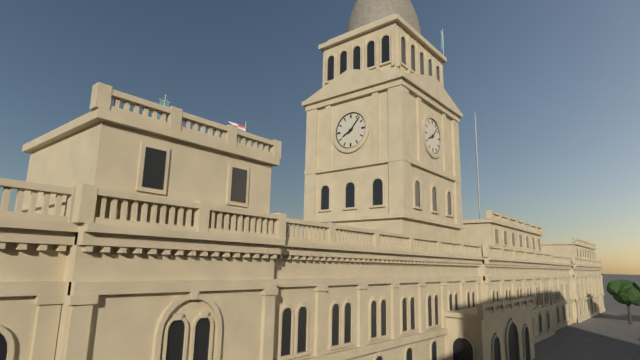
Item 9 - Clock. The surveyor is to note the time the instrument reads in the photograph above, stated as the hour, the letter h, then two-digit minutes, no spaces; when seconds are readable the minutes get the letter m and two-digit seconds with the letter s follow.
8h07
